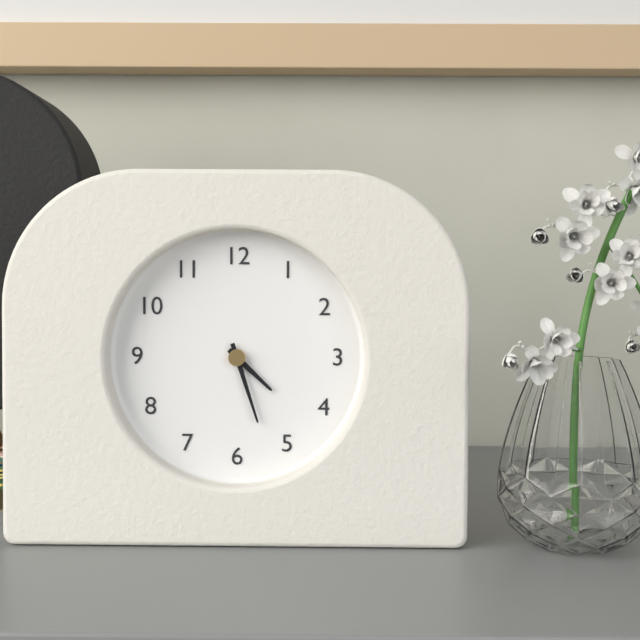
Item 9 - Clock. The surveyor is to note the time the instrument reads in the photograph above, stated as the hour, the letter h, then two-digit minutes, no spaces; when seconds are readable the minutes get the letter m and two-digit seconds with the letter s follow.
4h27
